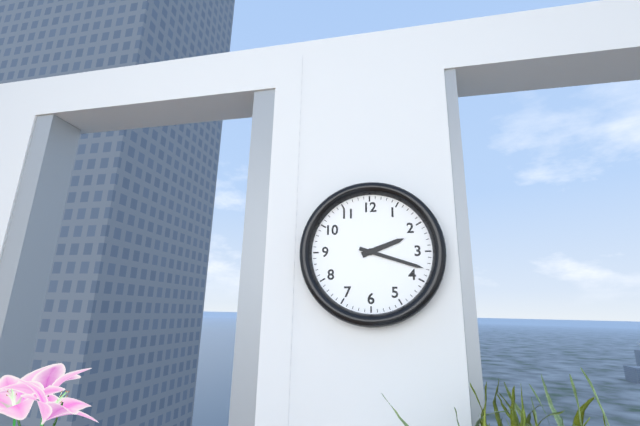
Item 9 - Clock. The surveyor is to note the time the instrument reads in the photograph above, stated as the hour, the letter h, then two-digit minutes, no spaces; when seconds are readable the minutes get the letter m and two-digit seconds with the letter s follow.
2h18
